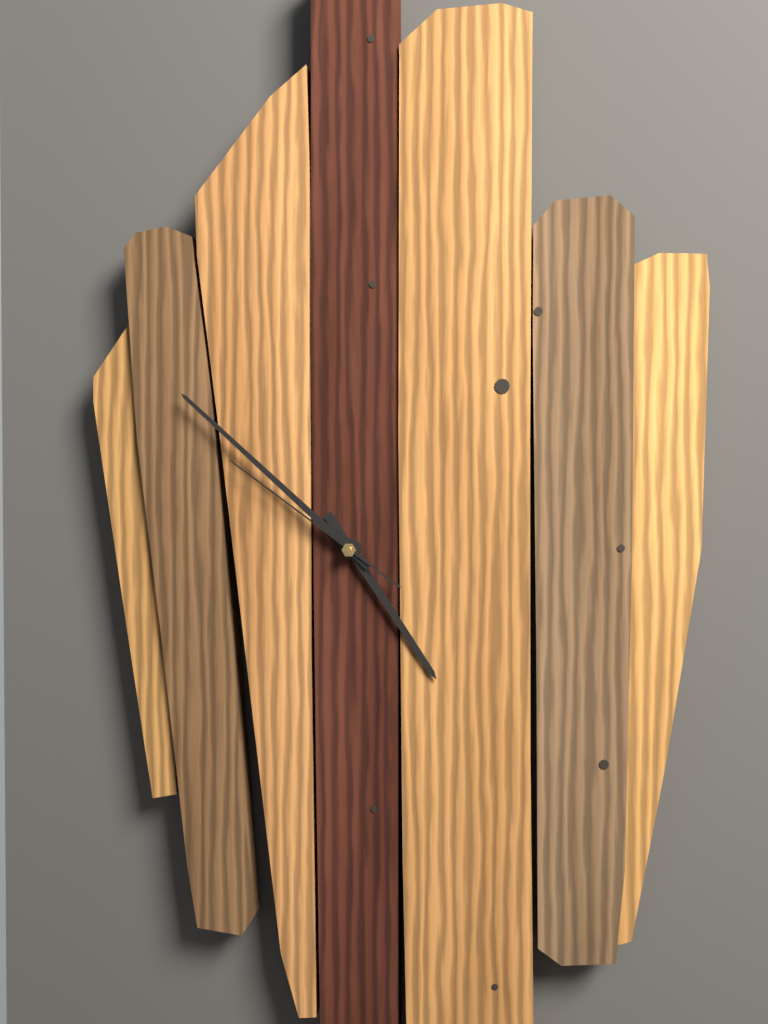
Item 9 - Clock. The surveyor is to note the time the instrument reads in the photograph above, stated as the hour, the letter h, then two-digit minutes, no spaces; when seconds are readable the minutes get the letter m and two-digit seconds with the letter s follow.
4h52m51s
